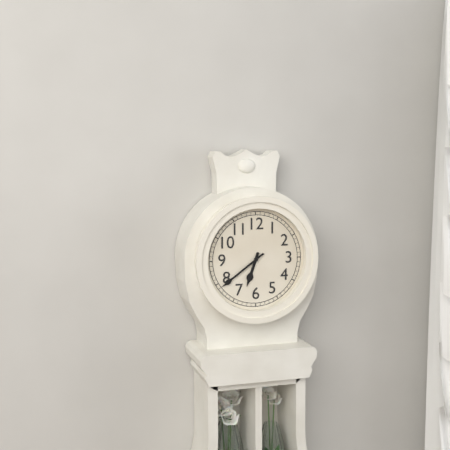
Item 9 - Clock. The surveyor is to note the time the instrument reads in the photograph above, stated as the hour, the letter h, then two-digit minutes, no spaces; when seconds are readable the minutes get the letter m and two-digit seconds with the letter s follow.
6h39
